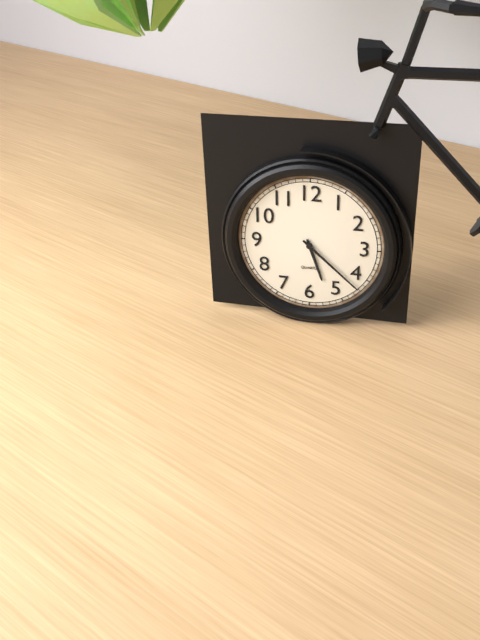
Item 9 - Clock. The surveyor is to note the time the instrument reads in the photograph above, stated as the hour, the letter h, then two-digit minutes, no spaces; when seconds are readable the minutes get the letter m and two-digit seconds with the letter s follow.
5h22
